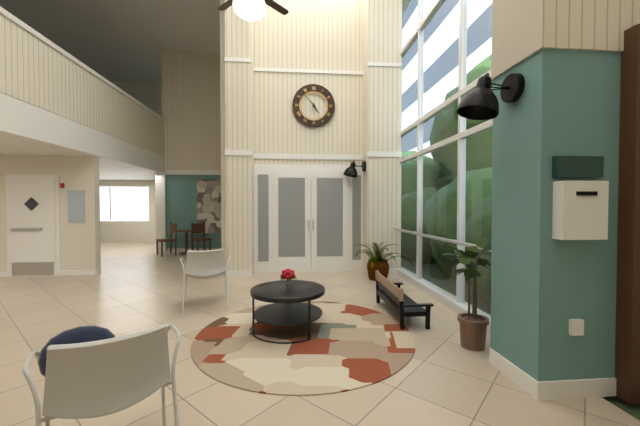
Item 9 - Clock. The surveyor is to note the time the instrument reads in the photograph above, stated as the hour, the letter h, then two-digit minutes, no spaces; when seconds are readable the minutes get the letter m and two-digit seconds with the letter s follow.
4h53
